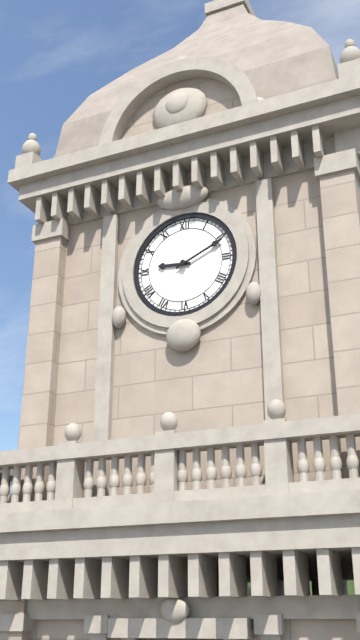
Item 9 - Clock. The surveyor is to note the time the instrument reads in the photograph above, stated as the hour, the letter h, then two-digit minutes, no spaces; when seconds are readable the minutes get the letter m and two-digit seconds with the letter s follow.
9h11
